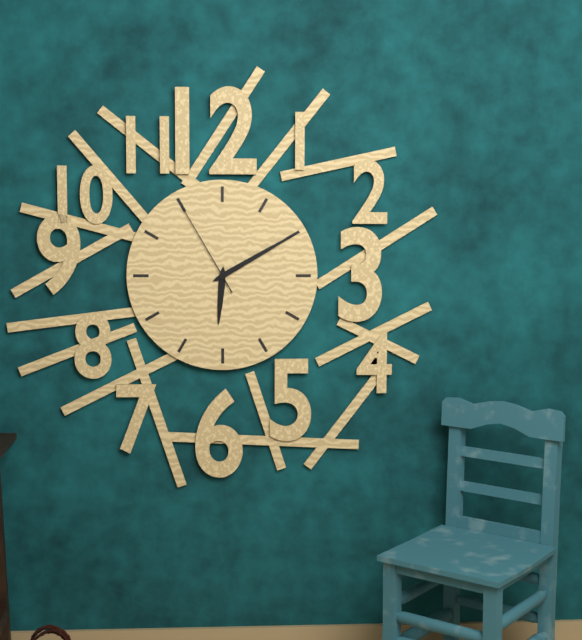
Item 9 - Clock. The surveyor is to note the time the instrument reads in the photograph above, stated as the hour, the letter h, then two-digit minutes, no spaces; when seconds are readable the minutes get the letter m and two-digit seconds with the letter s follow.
6h10m55s
